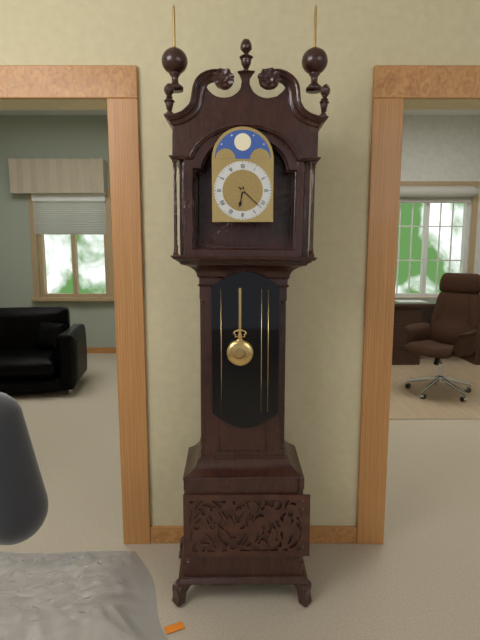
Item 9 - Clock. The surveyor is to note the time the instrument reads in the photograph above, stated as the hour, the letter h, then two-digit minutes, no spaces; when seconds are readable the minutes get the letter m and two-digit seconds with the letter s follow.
6h22
